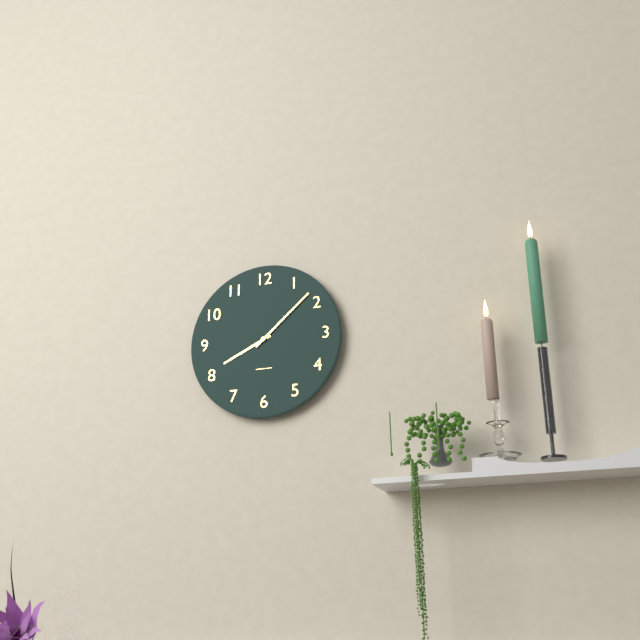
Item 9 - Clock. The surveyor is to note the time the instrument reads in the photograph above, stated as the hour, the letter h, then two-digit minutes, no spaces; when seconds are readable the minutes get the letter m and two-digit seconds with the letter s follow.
8h08
